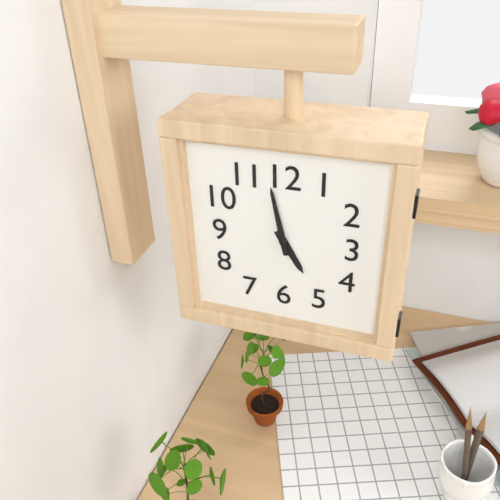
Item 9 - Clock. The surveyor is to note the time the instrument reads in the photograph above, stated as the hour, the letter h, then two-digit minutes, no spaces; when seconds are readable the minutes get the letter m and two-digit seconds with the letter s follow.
4h58
